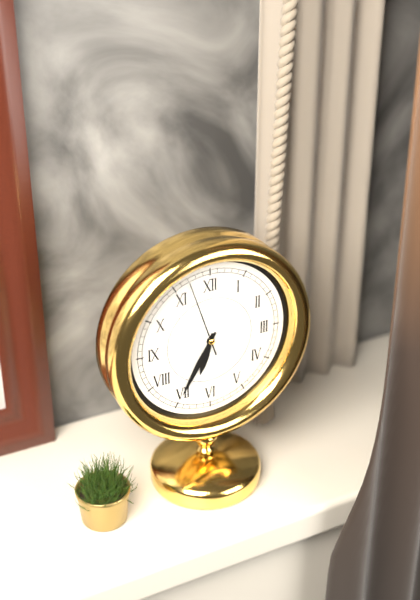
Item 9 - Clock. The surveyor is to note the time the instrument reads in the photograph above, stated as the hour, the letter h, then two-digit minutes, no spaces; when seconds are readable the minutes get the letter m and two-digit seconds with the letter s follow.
6h35m57s
